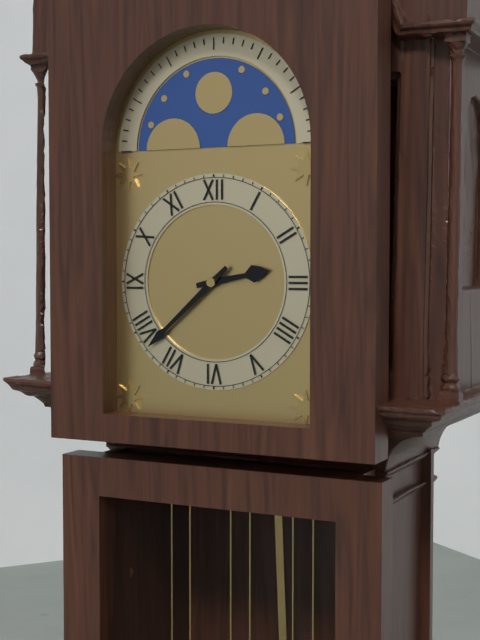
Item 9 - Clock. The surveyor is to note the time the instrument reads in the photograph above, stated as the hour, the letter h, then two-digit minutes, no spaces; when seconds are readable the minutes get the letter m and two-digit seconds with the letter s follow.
2h38
